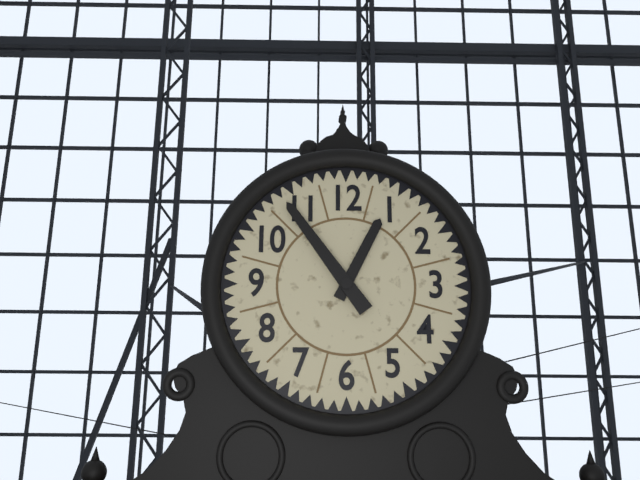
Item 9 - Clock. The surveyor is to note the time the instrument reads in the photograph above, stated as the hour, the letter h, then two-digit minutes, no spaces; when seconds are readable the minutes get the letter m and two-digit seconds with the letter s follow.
12h54
